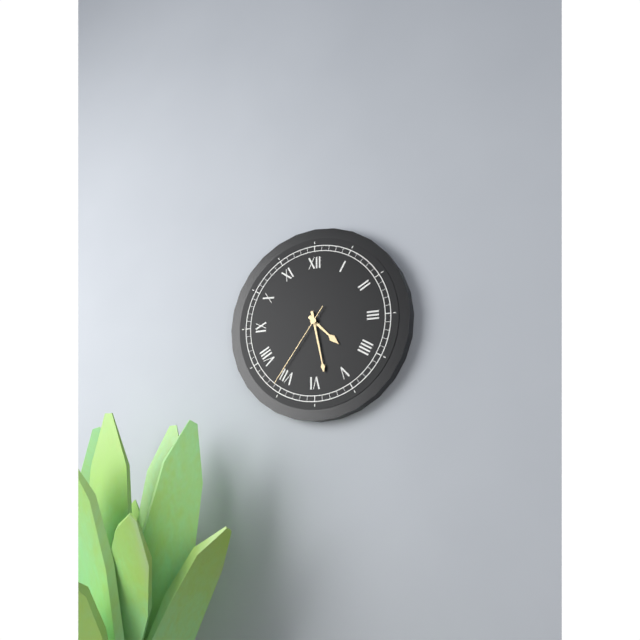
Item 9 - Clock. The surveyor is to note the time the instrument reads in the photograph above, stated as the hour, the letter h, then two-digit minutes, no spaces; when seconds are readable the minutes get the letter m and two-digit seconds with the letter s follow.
4h28m36s
